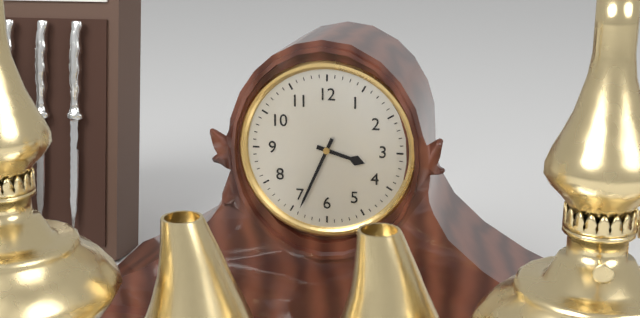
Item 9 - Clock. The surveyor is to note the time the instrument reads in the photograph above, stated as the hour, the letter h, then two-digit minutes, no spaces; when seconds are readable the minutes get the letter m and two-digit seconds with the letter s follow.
3h34
